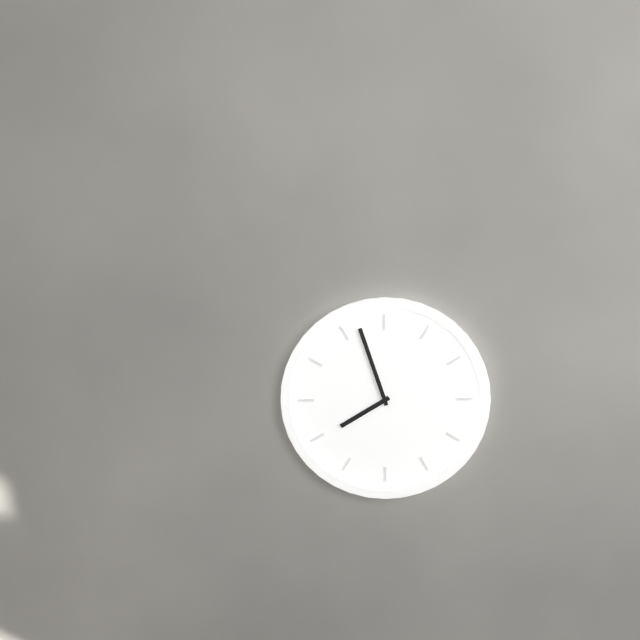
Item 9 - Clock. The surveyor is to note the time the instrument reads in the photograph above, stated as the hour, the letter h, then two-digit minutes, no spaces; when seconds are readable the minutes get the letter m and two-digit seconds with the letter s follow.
7h57
